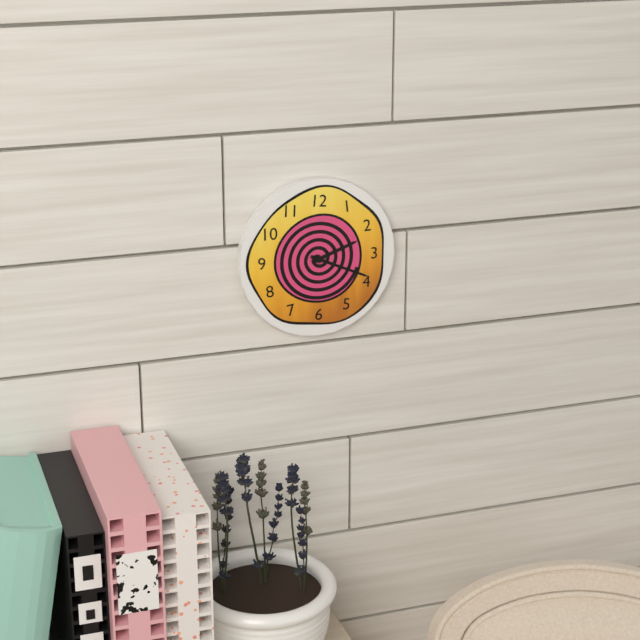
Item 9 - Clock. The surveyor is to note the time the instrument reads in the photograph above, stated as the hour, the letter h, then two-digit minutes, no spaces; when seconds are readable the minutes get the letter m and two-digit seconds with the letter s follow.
2h19
